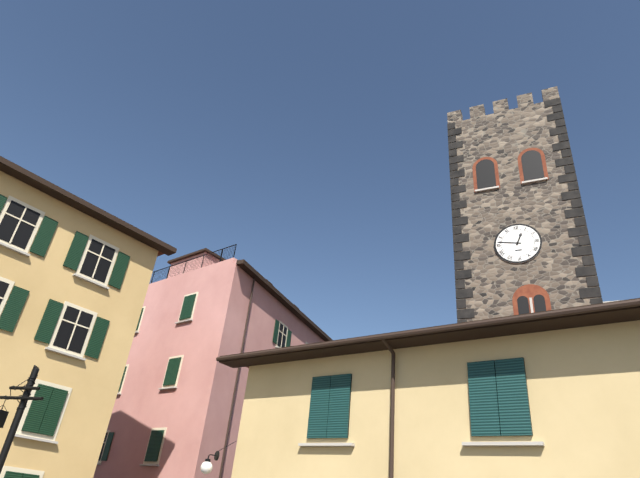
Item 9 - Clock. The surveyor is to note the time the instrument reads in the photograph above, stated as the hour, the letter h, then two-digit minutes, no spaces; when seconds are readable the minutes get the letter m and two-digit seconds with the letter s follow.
12h47
